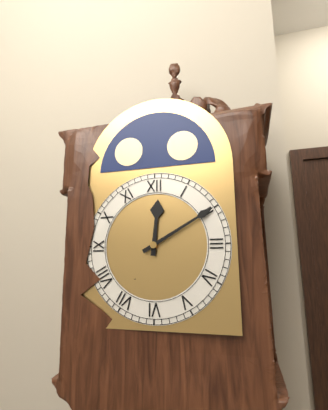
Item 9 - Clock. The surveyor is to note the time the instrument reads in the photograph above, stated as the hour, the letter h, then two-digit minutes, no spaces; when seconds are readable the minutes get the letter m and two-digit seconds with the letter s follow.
12h10
